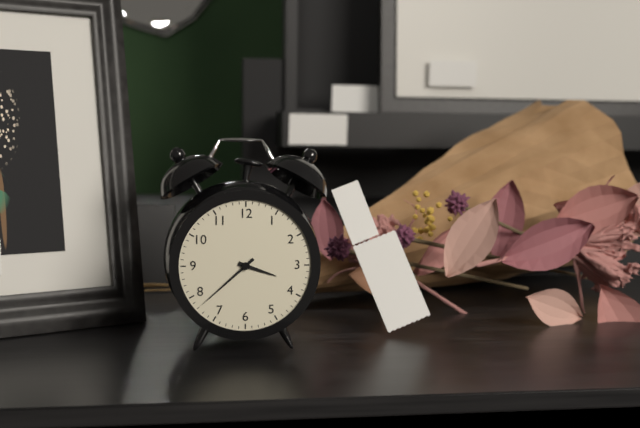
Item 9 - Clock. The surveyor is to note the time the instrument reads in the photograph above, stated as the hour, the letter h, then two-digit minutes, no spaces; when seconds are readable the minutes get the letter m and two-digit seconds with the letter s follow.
3h38
